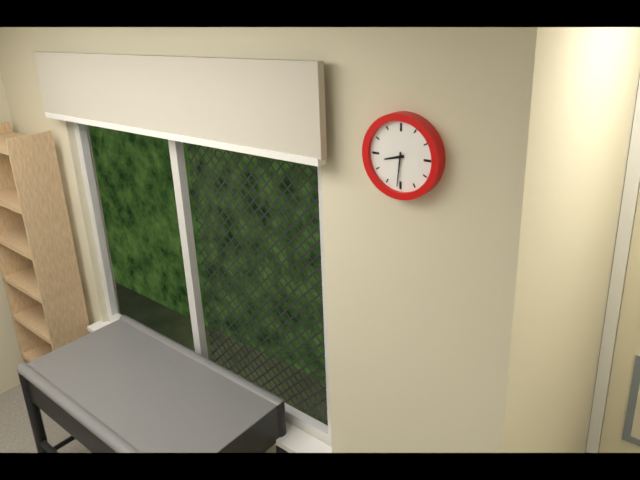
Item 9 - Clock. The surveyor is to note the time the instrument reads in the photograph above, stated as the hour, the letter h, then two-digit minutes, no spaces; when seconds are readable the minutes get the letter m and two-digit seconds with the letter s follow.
8h31
